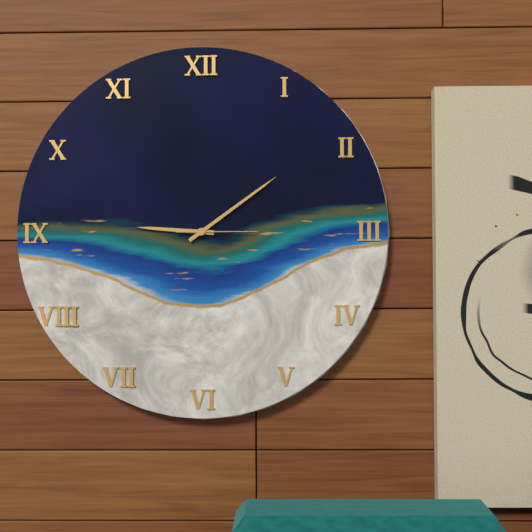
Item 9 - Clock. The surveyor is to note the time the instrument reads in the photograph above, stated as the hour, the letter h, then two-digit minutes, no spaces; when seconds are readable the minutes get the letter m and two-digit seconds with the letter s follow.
9h09m15s
